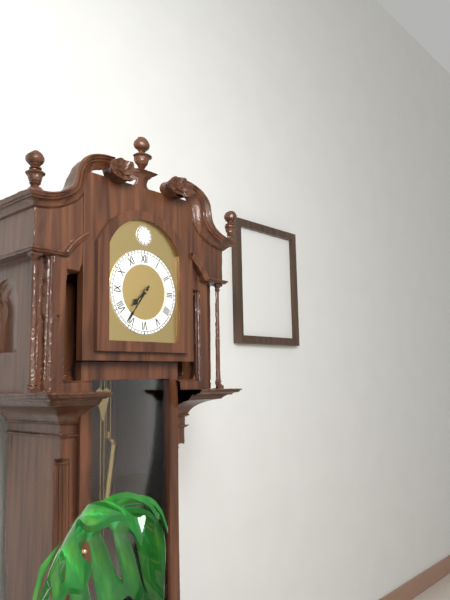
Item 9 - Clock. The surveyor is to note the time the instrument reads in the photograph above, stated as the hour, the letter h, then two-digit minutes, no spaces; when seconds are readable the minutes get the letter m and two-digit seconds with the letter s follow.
7h36
